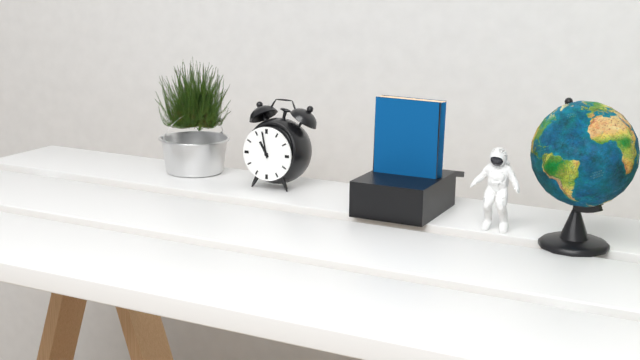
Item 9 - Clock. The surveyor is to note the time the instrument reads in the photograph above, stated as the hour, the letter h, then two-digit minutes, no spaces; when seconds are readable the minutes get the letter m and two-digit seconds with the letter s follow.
10h58
